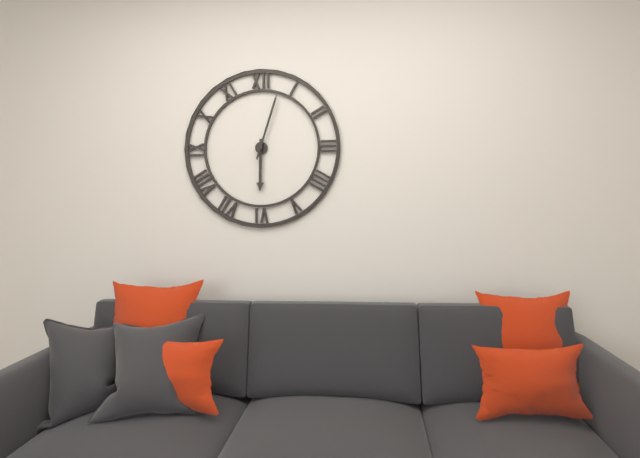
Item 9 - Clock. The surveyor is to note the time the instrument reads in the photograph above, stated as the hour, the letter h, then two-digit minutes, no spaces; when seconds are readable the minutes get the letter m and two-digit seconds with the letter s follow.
6h03
